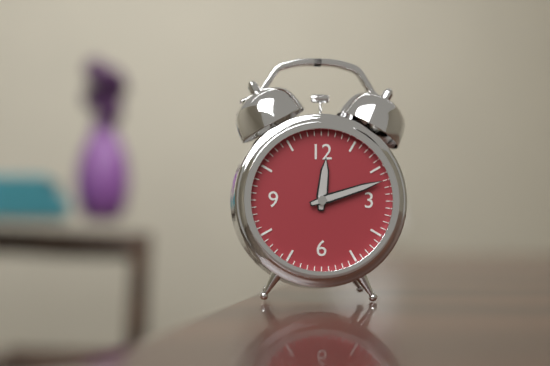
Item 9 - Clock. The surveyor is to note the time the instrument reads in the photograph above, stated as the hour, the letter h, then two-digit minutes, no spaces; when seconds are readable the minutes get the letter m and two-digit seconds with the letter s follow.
12h12
